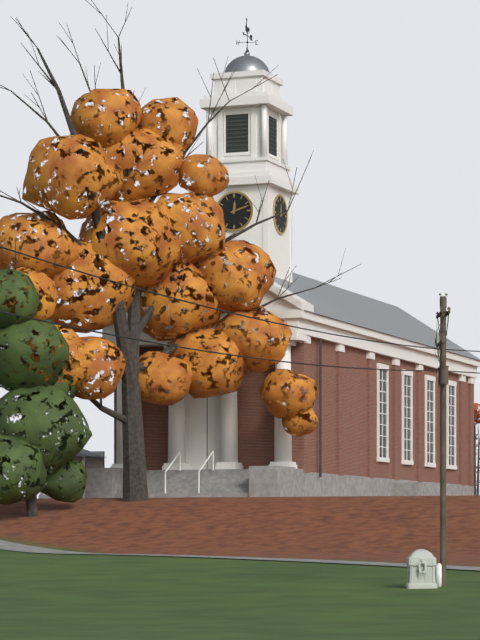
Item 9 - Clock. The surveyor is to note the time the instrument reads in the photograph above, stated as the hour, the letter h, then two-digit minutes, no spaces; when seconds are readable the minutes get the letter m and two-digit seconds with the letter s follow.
12h12
